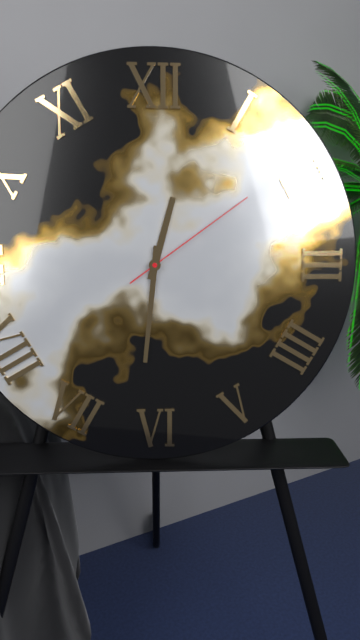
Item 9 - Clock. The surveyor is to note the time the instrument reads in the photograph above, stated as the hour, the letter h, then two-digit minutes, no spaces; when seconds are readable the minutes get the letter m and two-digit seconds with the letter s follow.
12h31m09s
